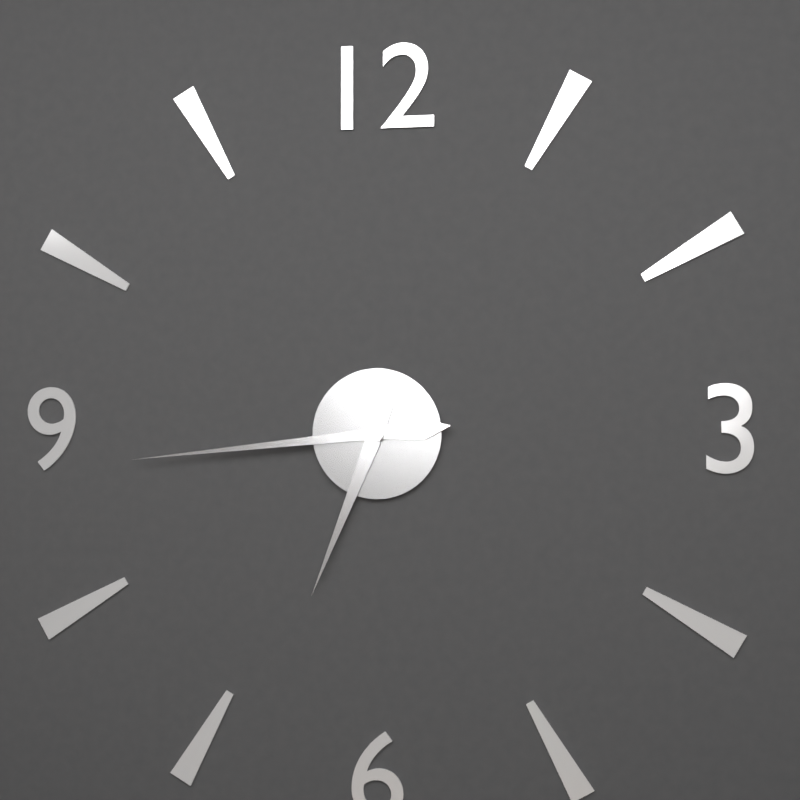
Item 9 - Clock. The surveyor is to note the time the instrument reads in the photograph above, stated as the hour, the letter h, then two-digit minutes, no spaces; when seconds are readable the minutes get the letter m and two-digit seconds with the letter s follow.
6h44
